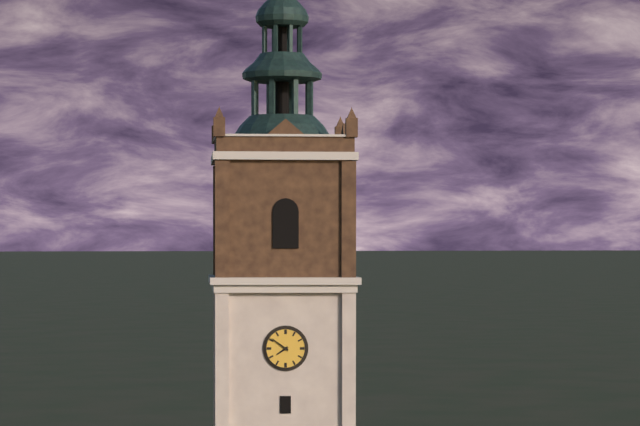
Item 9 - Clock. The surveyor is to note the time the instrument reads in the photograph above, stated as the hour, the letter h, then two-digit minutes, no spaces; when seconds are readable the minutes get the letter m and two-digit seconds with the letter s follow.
7h51
